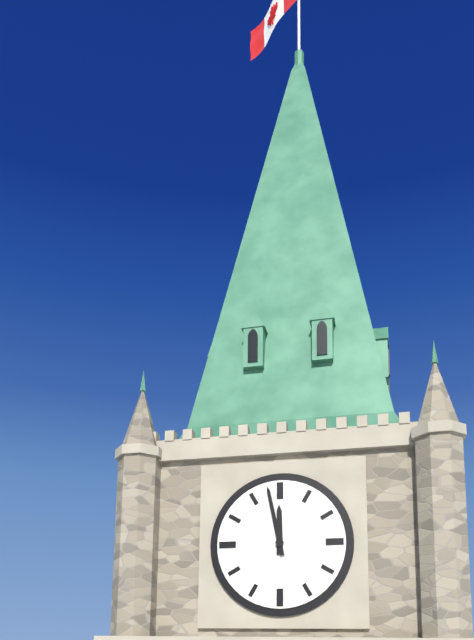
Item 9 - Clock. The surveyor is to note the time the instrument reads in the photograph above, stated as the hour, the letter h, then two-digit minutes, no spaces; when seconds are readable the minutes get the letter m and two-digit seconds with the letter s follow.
11h58
